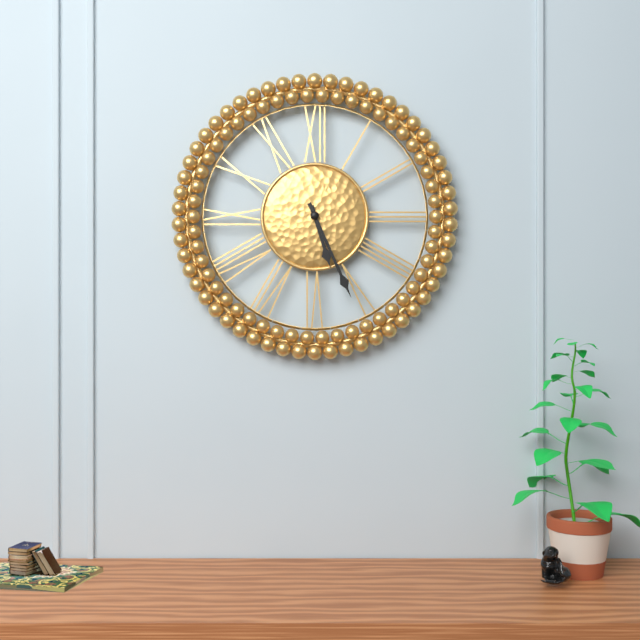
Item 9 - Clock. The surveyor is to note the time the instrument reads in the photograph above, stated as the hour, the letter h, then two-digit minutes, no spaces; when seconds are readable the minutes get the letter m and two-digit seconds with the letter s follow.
5h26
